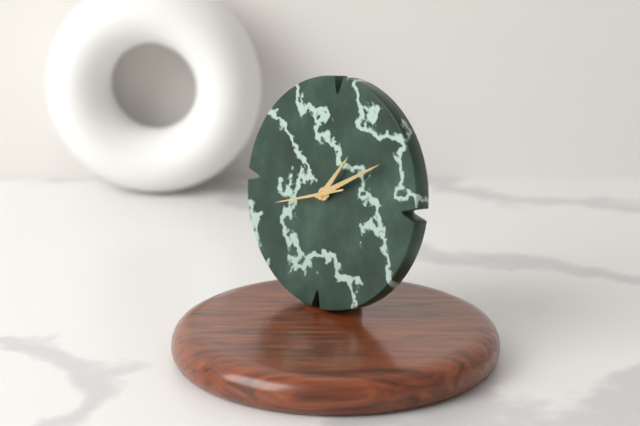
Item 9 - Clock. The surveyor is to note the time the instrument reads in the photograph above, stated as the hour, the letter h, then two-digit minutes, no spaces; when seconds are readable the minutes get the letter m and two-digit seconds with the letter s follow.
1h10m42s
